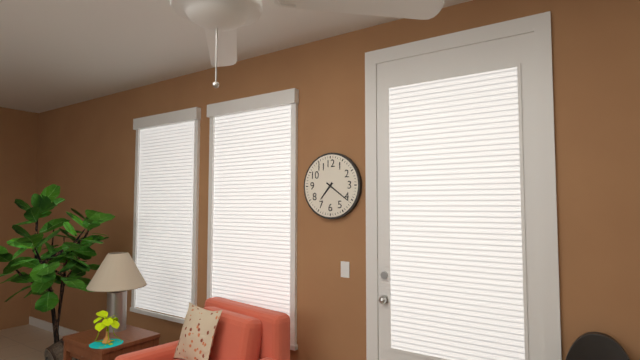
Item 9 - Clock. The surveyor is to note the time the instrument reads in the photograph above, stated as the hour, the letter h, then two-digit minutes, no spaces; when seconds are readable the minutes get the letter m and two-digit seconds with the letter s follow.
7h21
